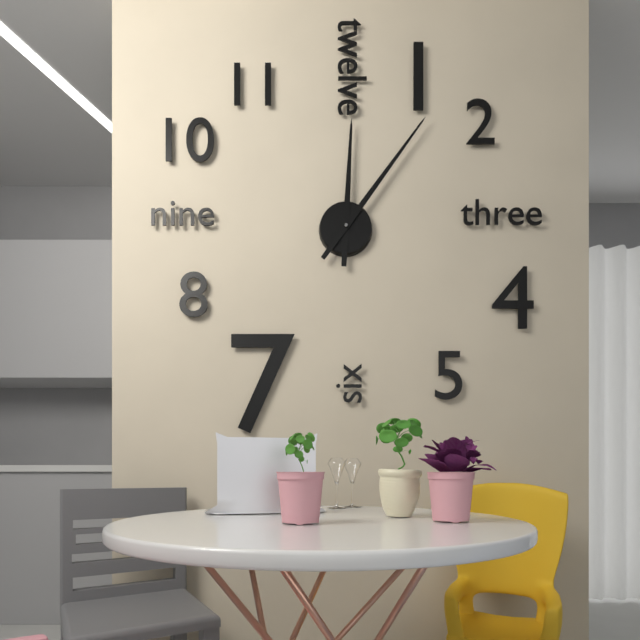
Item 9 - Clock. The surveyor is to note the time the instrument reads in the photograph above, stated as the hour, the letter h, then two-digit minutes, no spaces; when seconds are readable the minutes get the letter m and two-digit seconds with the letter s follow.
12h06
